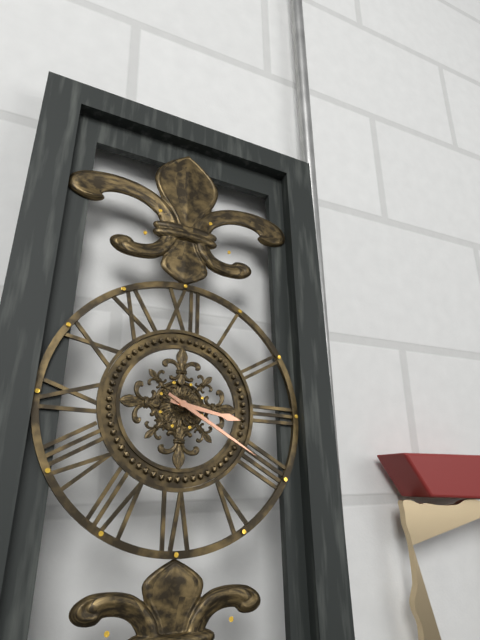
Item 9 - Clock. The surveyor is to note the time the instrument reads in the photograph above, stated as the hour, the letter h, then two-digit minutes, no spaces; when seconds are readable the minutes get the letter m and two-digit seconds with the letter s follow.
3h20
